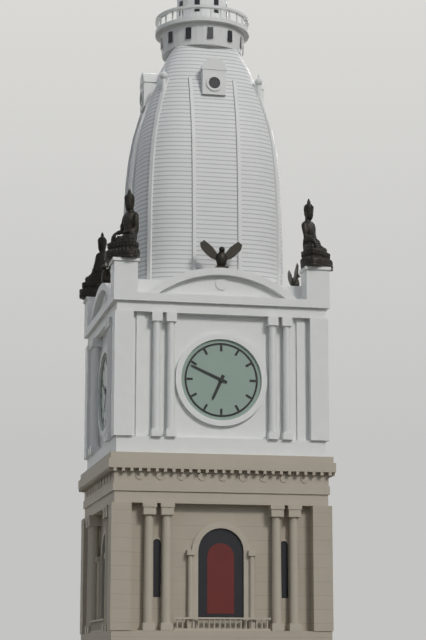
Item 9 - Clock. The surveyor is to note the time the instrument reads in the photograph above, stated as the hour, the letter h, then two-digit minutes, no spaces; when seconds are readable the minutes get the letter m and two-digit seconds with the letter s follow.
6h49
